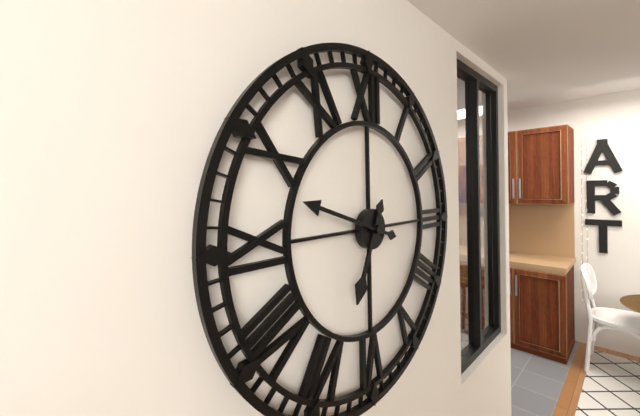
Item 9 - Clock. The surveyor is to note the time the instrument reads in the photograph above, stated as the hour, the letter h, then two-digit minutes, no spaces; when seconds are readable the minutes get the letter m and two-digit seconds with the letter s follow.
6h48
